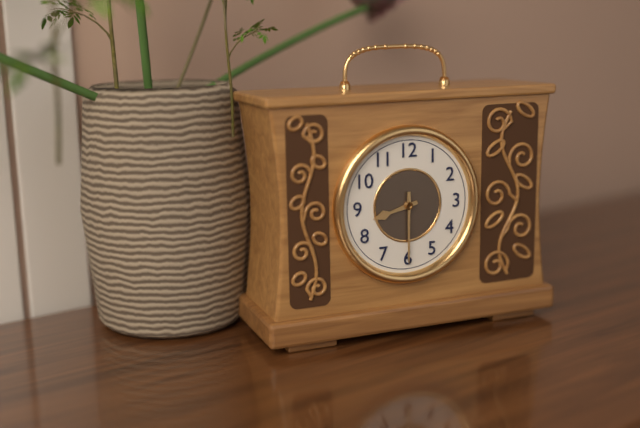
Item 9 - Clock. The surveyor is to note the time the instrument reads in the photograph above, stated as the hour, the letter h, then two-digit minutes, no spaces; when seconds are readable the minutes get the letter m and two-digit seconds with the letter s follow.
8h30
